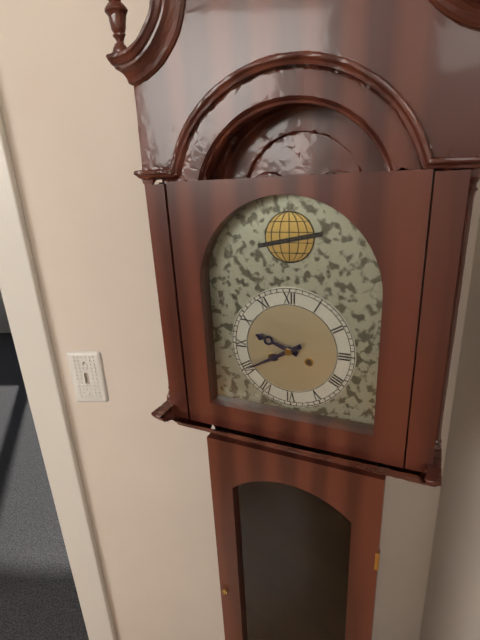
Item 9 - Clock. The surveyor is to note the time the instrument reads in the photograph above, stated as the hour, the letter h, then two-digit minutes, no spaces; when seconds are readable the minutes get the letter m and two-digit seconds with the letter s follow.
9h40
